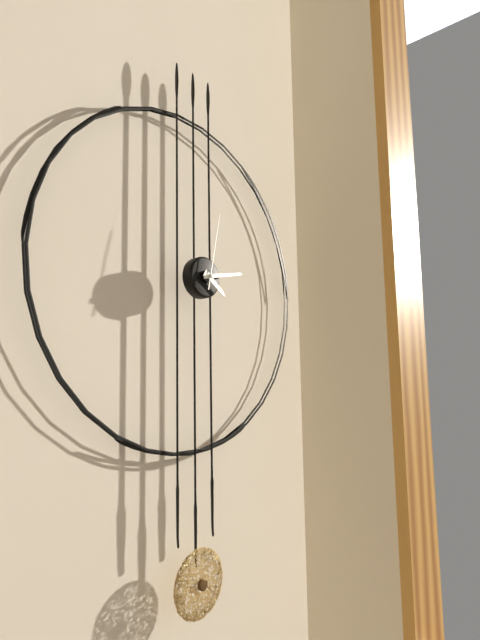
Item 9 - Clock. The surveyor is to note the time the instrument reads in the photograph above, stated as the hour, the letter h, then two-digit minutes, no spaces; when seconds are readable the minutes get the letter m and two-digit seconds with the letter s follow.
4h13m02s
